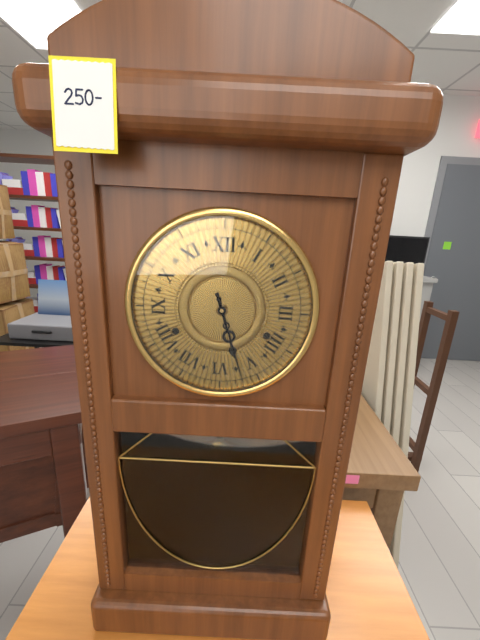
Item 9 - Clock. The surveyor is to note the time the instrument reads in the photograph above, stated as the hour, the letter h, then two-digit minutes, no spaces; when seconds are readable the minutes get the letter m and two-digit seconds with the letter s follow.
5h27
